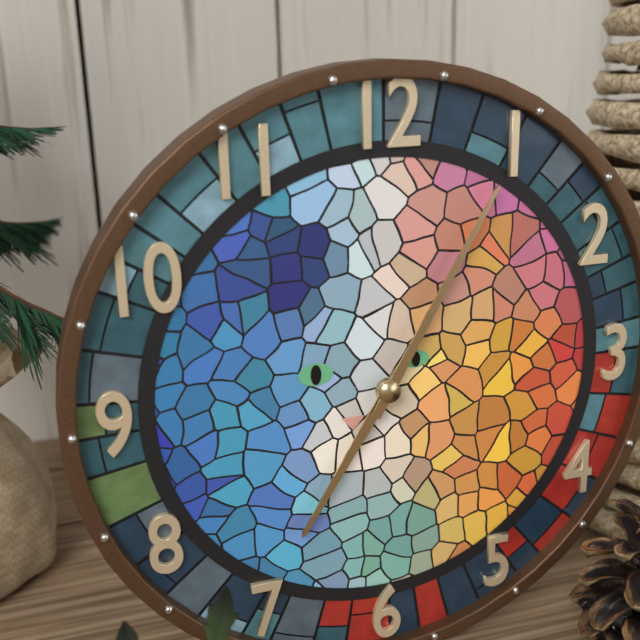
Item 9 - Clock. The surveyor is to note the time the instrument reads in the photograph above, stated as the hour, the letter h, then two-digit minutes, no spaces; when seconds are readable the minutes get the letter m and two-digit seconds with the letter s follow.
7h05
